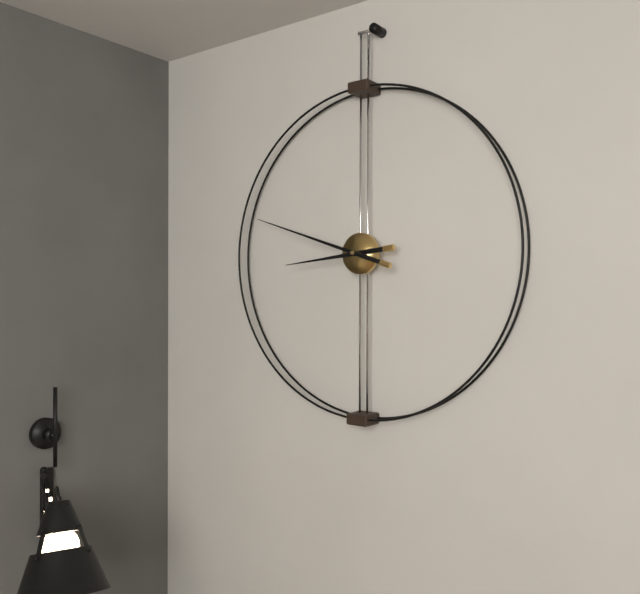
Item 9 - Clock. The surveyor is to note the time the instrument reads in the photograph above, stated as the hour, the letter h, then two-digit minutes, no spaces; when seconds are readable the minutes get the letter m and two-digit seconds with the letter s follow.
8h48
